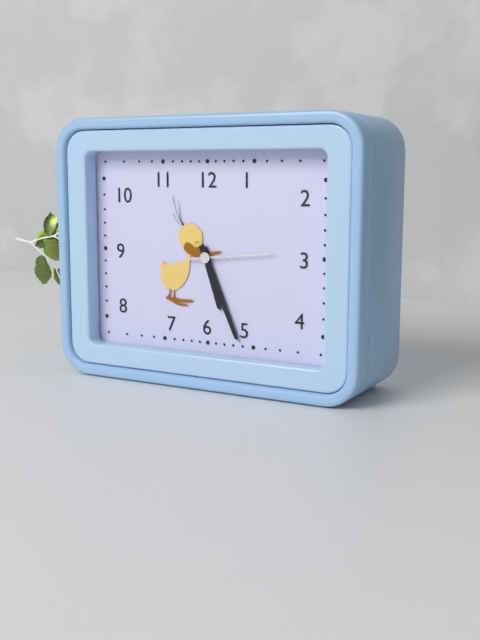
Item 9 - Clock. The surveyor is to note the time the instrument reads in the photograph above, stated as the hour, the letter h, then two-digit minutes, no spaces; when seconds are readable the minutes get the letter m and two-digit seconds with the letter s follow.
5h26m14s
